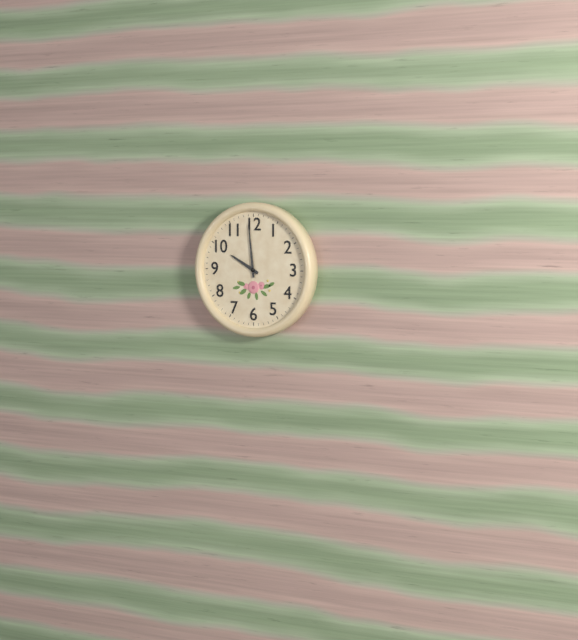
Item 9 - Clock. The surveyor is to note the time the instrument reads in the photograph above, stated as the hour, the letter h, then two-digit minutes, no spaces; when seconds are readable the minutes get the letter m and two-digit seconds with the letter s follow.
9h59
